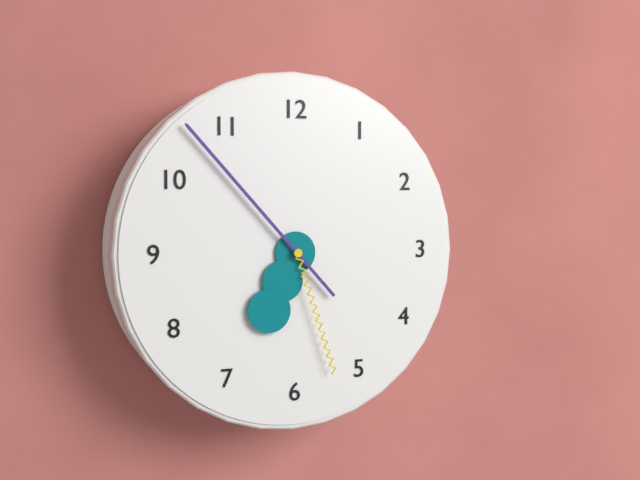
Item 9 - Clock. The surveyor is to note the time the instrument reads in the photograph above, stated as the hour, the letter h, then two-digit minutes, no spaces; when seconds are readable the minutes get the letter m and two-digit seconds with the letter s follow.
6h53m27s
